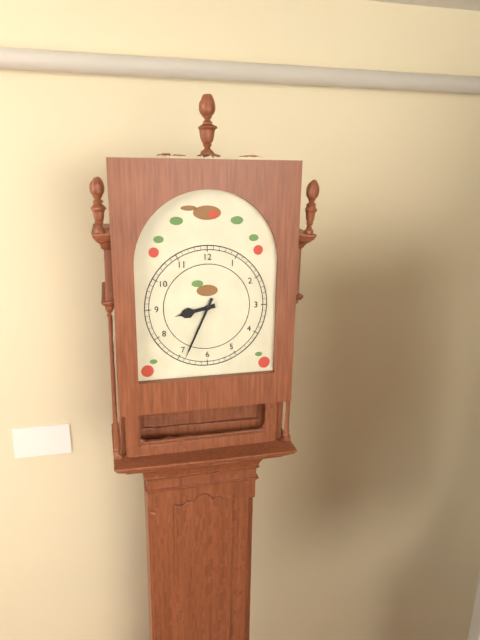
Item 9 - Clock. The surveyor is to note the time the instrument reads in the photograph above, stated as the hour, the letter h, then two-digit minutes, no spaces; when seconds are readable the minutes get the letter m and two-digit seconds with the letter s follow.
8h34
